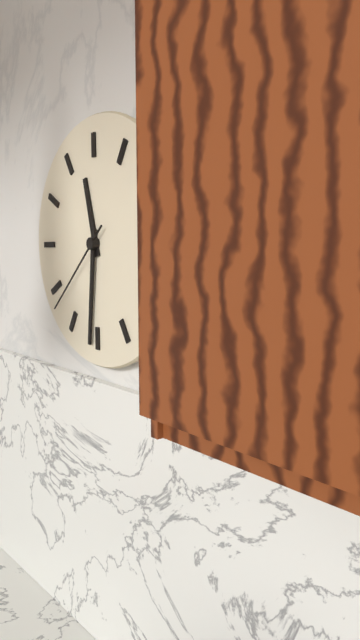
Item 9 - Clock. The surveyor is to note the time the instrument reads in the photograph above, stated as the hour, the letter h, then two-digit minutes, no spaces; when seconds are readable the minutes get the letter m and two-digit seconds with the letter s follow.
11h31m38s
